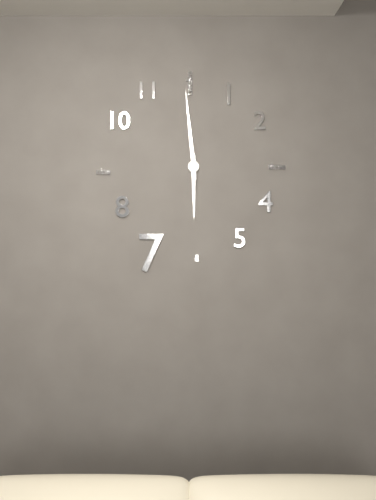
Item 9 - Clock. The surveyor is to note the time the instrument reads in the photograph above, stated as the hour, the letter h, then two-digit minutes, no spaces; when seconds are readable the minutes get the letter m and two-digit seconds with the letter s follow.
5h59
